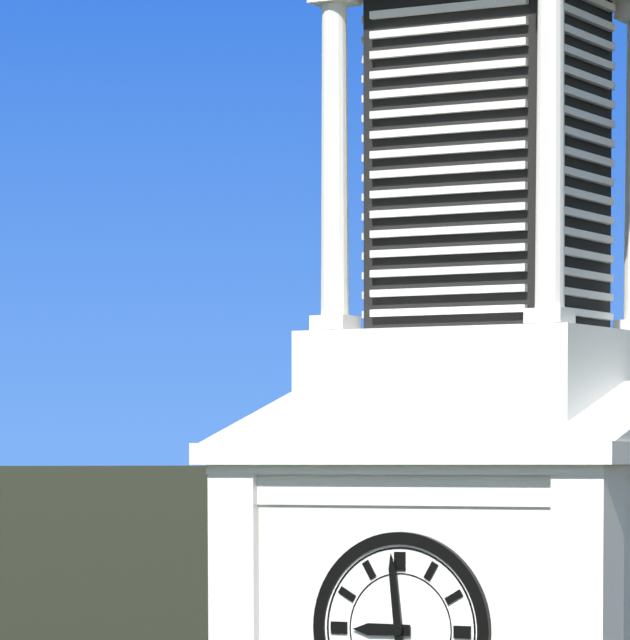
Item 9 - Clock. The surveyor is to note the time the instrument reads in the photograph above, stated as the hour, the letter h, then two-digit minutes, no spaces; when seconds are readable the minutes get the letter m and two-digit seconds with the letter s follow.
8h59
